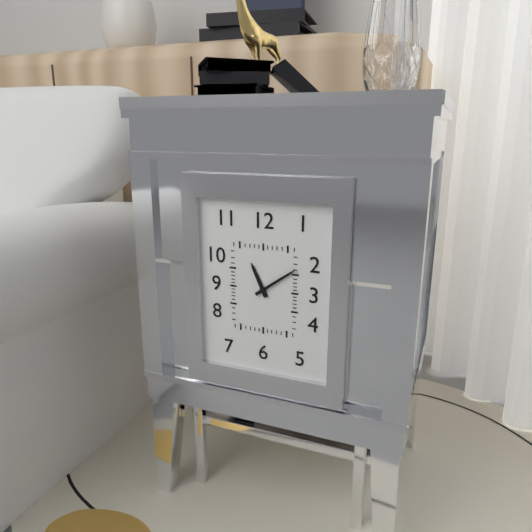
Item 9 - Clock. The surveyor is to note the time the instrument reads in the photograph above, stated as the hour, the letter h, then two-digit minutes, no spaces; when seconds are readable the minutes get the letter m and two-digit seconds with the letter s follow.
11h09
